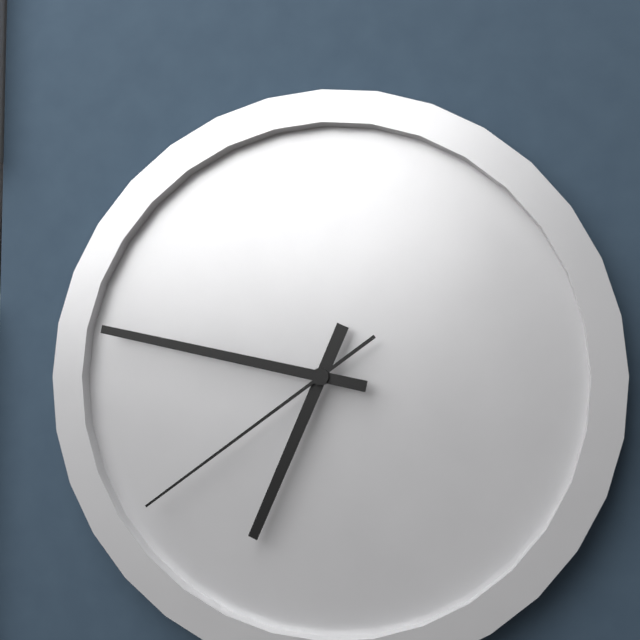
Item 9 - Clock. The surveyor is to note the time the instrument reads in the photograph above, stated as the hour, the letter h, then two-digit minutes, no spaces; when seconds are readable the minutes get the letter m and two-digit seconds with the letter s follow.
6h47m39s
